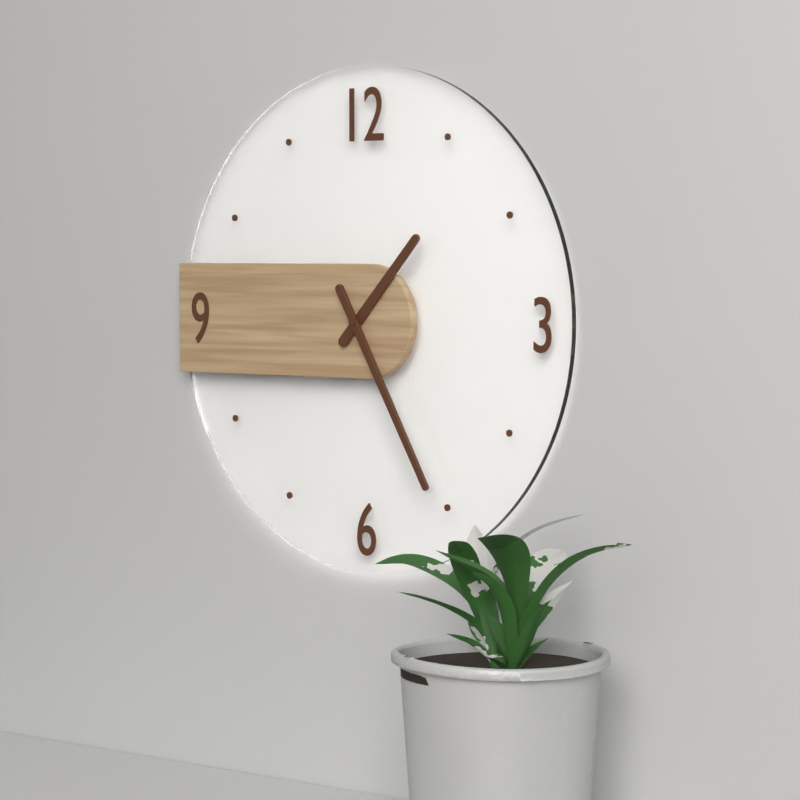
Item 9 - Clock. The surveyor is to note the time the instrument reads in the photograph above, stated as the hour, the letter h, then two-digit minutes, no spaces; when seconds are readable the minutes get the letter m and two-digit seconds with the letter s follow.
1h25
